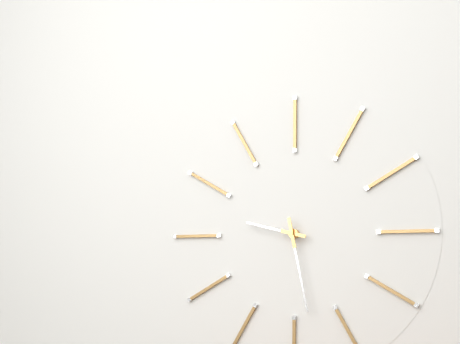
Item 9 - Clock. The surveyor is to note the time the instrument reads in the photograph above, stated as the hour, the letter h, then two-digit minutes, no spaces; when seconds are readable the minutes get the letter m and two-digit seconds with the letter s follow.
9h28
